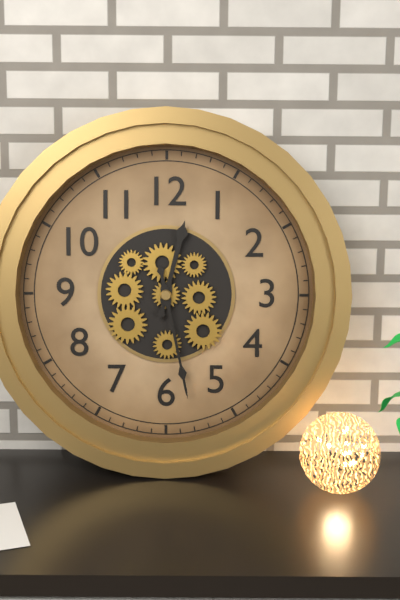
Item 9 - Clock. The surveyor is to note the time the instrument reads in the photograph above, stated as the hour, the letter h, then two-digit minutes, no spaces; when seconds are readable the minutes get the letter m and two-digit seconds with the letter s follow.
12h28
